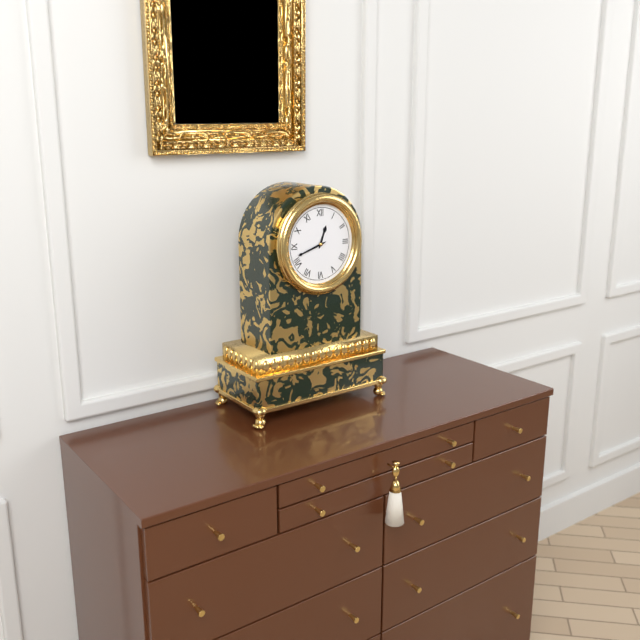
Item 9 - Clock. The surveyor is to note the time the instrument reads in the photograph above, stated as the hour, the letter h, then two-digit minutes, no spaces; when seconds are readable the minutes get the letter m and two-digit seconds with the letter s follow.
12h42
